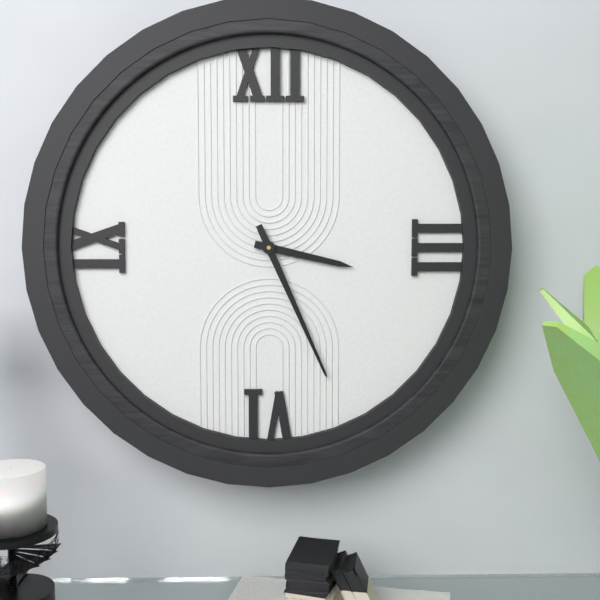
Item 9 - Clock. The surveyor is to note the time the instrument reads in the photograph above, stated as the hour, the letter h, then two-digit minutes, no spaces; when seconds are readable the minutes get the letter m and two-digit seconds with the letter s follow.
3h26
